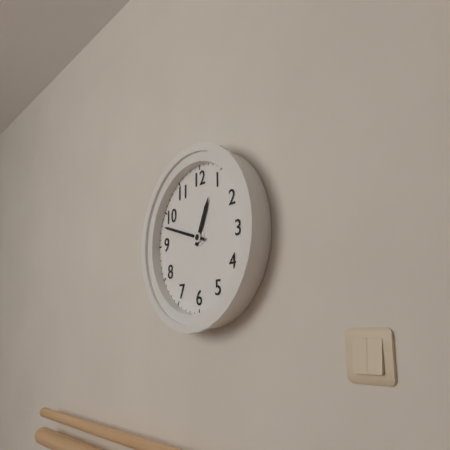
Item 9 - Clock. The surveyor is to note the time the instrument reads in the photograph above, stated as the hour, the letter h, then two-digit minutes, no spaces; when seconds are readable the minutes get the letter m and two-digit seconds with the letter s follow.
12h48
